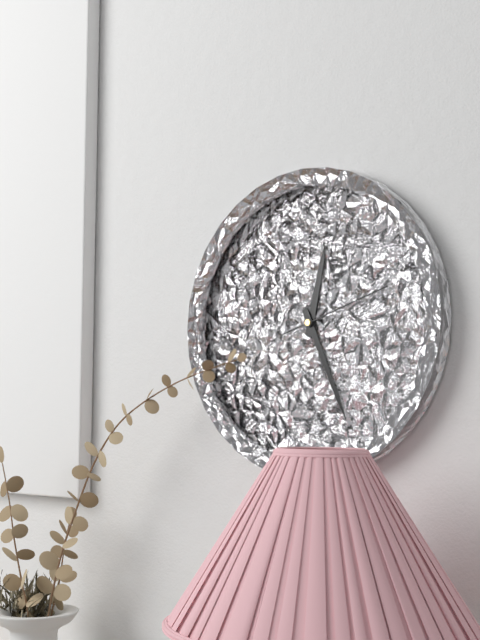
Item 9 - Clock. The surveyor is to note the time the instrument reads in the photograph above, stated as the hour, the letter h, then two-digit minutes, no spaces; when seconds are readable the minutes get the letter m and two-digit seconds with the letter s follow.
12h26m12s
